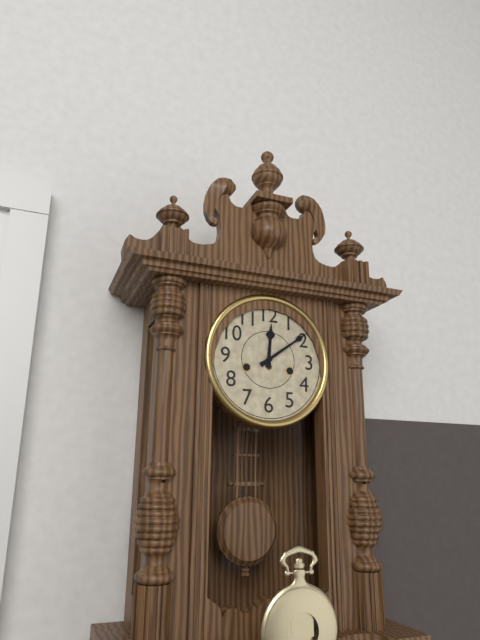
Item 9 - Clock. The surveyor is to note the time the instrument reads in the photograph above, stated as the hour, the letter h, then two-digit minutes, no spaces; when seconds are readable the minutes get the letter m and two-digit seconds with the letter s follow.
12h09
